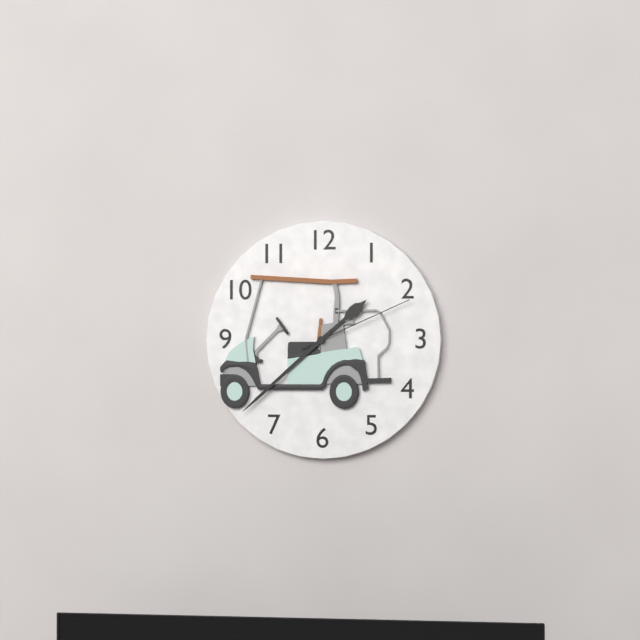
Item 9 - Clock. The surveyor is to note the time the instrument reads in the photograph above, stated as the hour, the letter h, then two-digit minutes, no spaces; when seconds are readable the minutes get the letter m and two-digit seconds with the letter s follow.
1h38m11s
